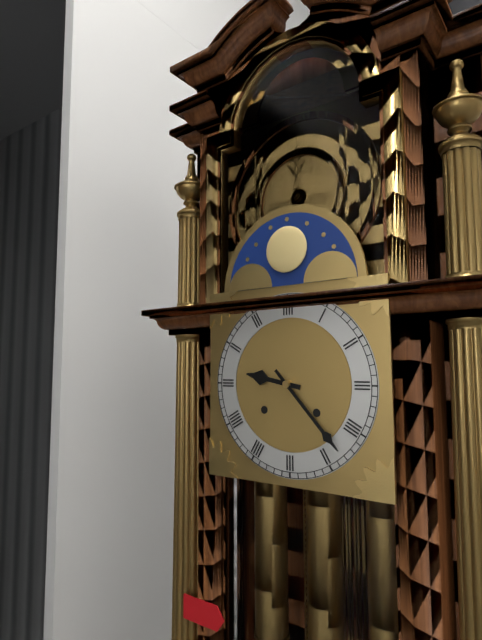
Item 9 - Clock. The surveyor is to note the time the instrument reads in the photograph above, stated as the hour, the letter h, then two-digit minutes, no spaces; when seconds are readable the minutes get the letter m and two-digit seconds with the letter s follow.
9h23
